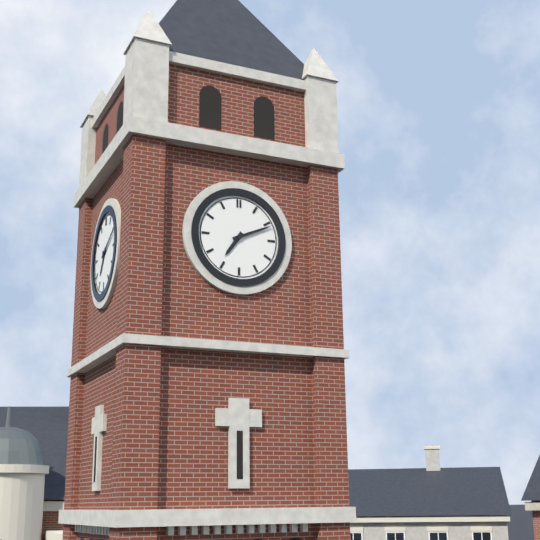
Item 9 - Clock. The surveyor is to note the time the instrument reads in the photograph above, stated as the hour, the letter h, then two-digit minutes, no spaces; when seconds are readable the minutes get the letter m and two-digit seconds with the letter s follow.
7h11
